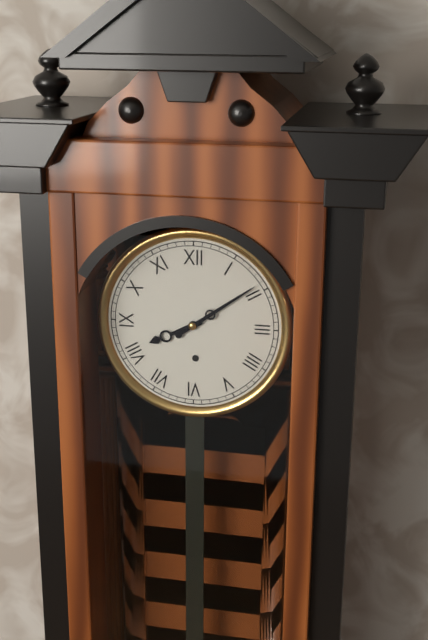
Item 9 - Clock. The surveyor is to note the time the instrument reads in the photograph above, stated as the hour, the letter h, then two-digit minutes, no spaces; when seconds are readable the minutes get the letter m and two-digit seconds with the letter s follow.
8h09
